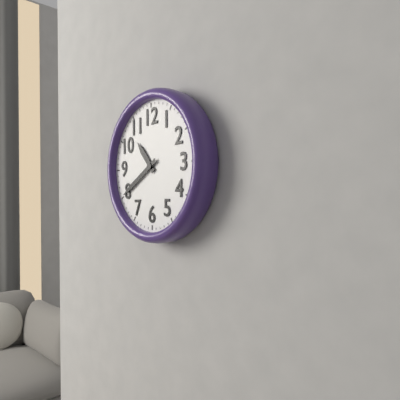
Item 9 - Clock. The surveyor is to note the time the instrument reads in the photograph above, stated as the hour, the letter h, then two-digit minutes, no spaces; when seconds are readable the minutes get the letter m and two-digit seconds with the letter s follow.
10h40
